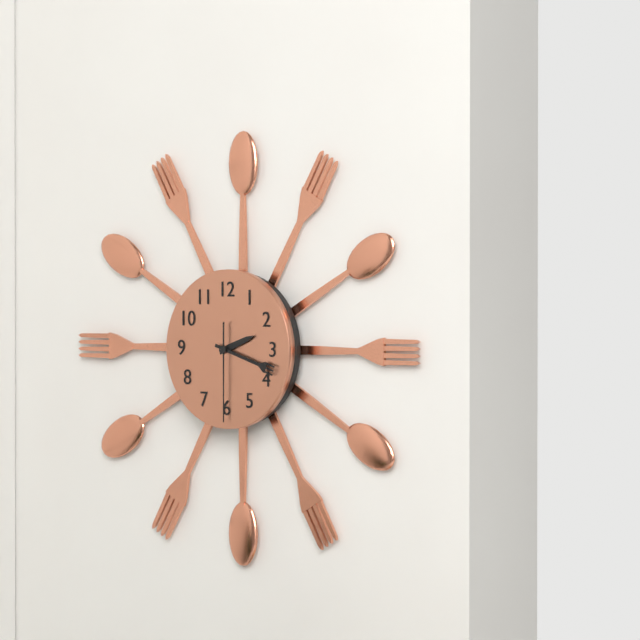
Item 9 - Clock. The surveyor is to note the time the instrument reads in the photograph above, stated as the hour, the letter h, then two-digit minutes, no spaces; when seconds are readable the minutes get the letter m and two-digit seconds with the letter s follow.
2h18m30s
